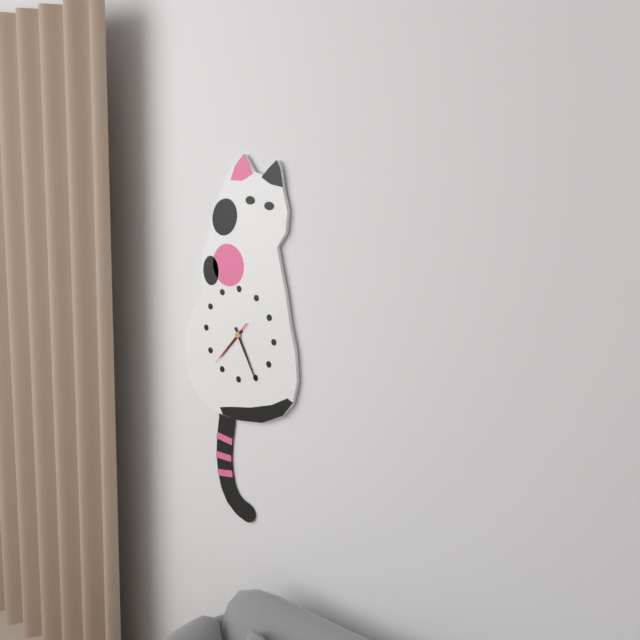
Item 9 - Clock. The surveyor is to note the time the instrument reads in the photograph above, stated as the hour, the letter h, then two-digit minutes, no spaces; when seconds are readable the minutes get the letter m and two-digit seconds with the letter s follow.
7h25
